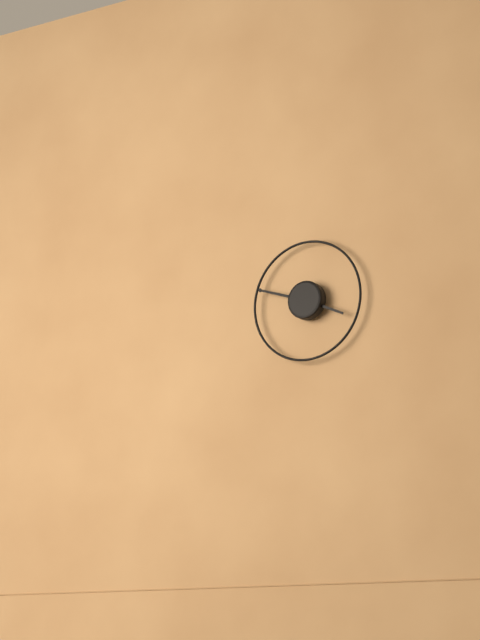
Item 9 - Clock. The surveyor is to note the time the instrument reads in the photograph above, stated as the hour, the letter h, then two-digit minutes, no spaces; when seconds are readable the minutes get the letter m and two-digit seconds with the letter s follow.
3h48
